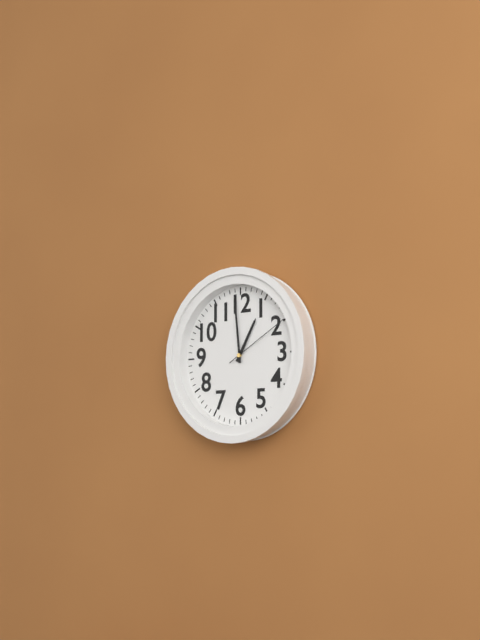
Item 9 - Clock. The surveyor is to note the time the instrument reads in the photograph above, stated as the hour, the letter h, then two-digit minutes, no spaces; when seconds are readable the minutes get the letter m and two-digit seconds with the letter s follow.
12h59m10s
